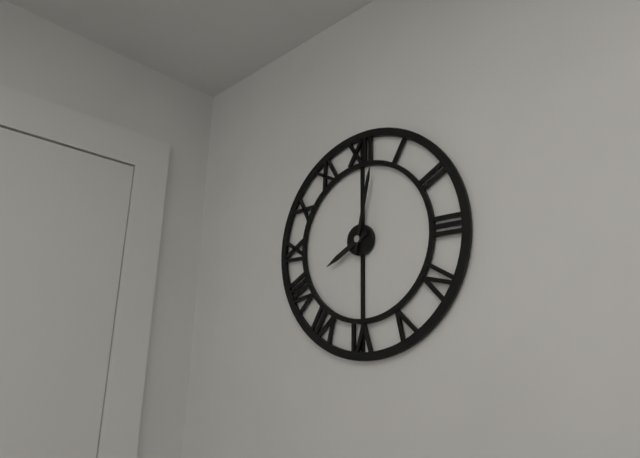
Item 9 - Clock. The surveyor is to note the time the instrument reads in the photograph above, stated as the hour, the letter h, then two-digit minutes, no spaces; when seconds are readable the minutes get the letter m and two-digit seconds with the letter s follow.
8h02
